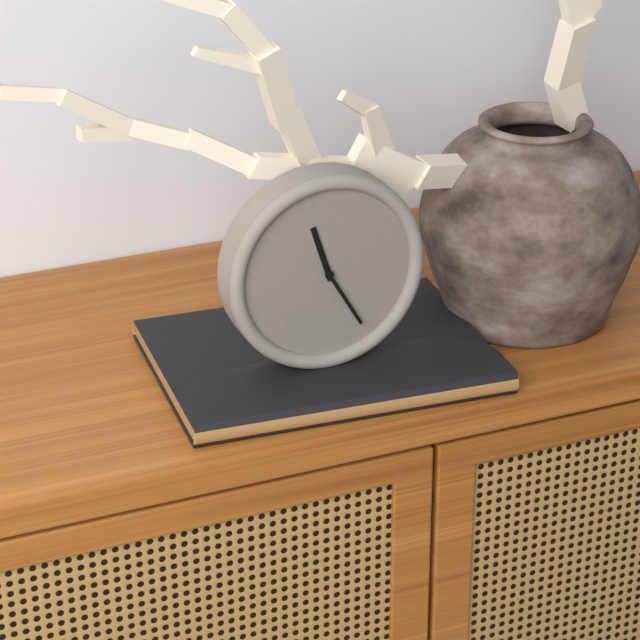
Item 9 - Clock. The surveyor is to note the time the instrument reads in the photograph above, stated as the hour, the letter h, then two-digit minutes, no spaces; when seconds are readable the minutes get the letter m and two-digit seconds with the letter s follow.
11h25
